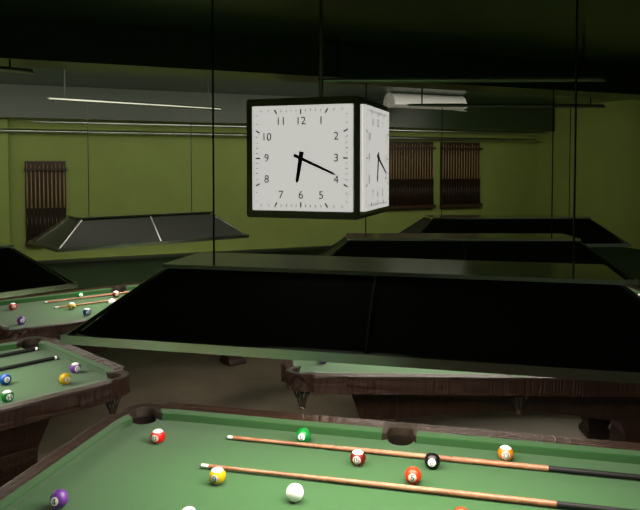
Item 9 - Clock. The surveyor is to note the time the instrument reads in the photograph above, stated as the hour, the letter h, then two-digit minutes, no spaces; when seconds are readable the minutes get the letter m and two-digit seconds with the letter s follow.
6h19
